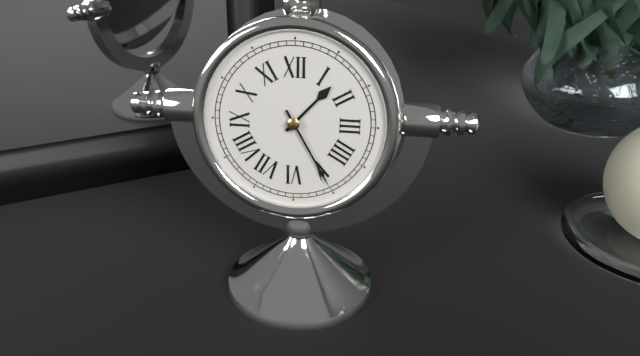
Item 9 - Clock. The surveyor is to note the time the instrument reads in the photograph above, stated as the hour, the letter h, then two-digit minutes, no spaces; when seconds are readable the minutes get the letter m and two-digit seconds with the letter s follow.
1h25
